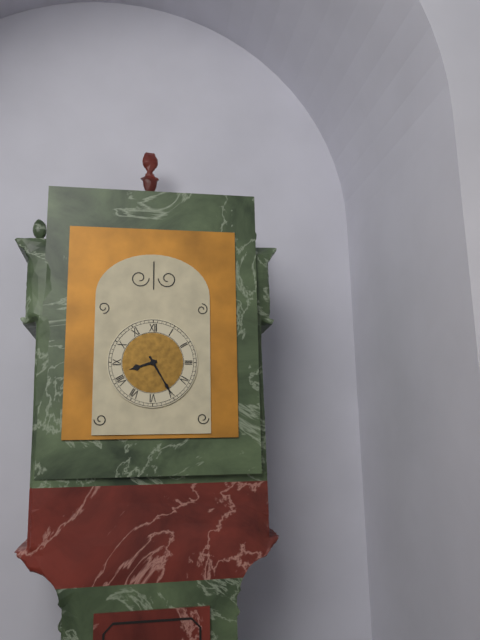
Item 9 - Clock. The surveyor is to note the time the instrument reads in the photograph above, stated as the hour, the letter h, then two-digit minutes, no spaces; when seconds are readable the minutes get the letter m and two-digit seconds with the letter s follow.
8h25
